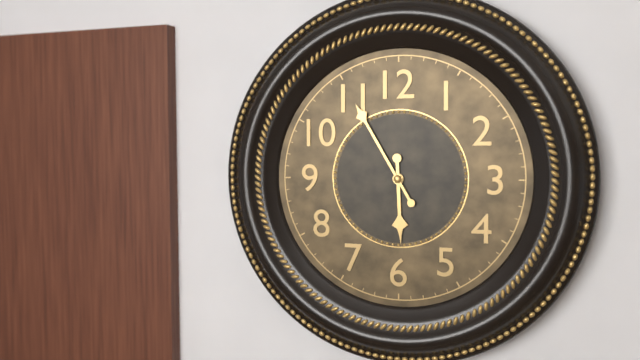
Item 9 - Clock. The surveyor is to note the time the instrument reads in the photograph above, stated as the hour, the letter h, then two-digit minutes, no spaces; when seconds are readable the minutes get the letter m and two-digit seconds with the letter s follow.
5h55
